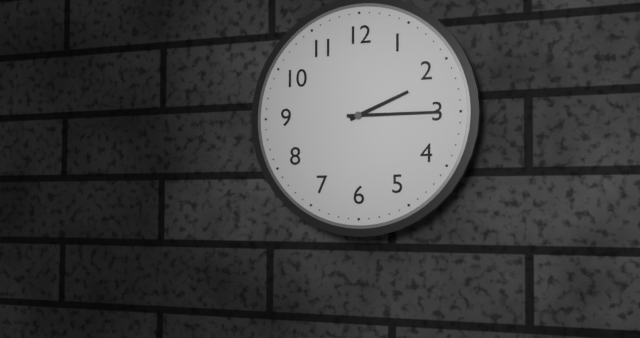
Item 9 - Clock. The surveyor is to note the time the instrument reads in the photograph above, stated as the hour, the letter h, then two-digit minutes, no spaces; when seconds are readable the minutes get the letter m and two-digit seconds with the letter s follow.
2h15
